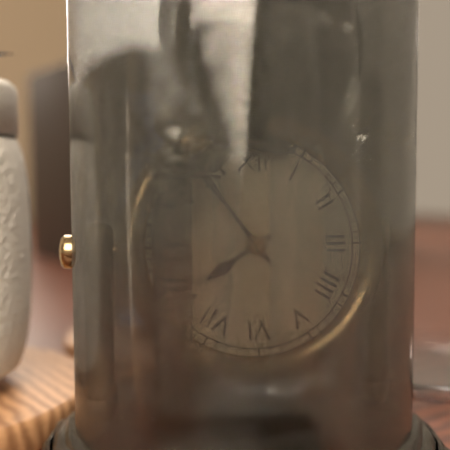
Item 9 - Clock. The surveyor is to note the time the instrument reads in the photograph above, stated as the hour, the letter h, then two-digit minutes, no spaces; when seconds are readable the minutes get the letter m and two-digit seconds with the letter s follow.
7h54
